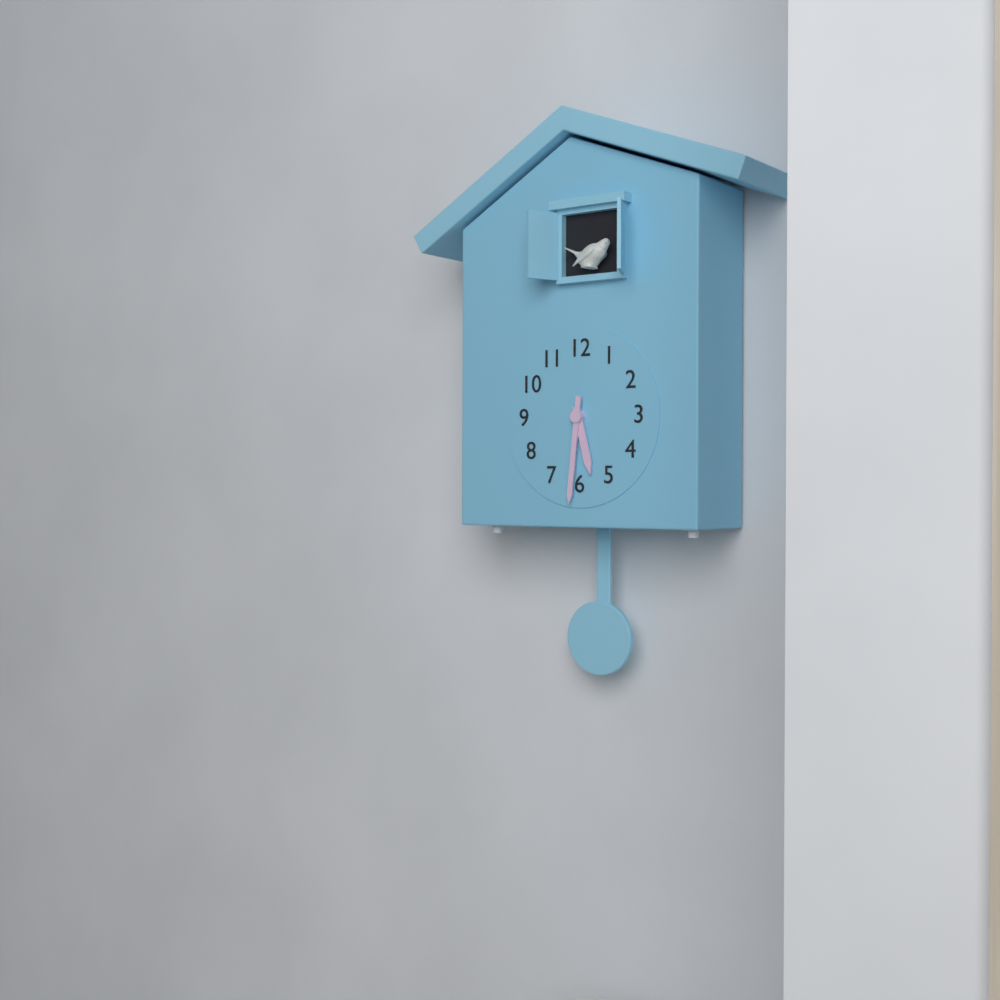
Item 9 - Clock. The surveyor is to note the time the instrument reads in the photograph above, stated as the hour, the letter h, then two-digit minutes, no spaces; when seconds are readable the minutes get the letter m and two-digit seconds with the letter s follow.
5h31
